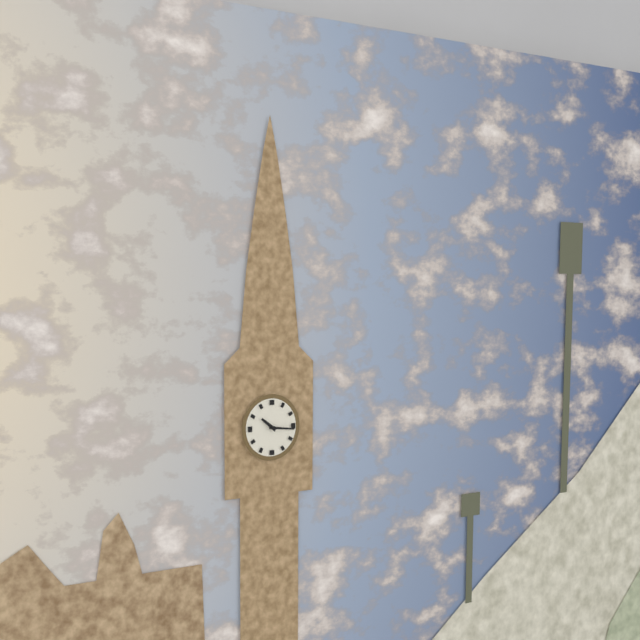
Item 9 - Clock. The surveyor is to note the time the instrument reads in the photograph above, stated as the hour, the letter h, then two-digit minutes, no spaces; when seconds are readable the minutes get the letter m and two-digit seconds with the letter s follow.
10h16
